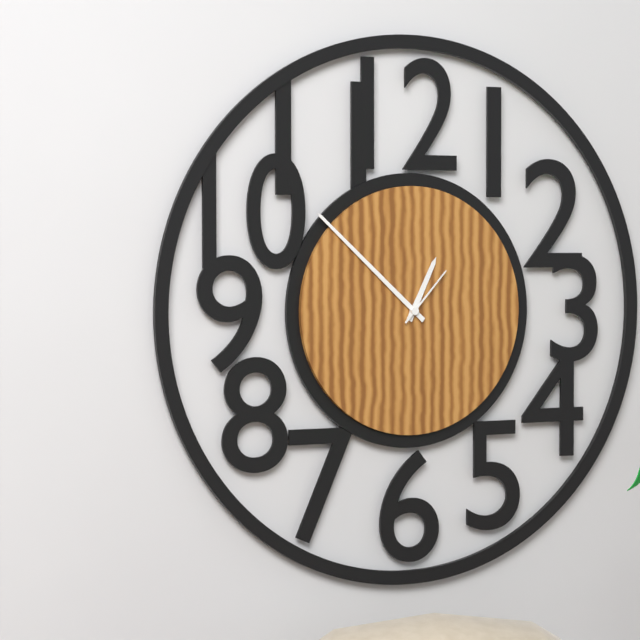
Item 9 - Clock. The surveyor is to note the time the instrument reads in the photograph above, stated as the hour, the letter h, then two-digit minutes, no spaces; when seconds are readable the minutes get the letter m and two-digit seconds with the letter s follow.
12h52m07s
